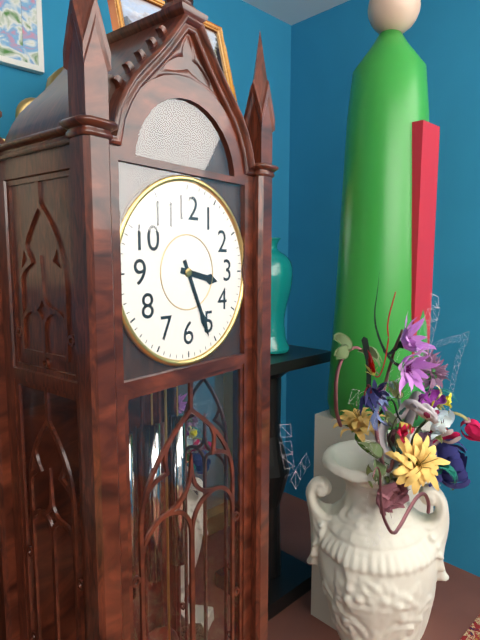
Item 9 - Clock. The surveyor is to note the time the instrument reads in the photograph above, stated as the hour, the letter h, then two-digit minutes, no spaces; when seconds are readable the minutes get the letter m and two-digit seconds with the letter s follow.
3h26
